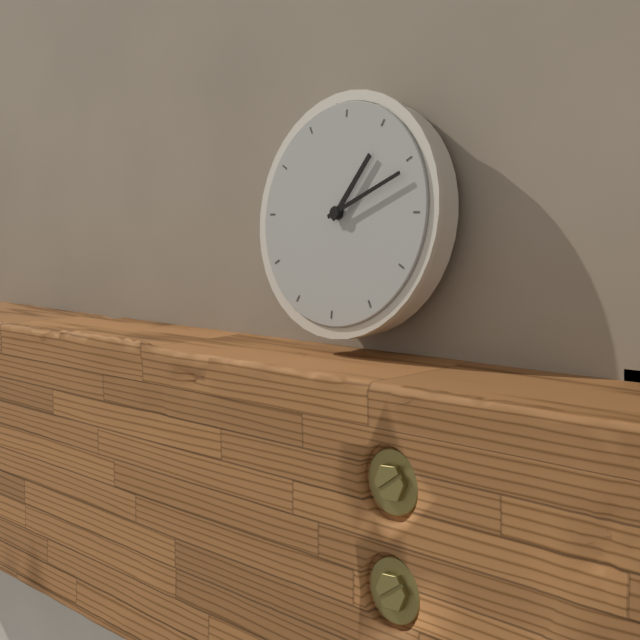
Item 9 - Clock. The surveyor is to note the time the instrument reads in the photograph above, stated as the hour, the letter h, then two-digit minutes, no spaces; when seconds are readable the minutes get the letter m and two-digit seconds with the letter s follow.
1h11
